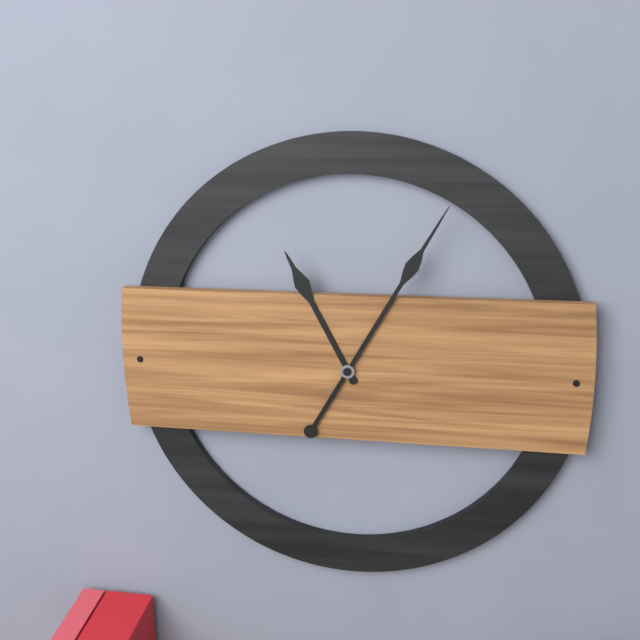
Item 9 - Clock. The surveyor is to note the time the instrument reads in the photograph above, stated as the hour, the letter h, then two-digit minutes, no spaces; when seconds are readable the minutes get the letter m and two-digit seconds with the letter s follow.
11h05
